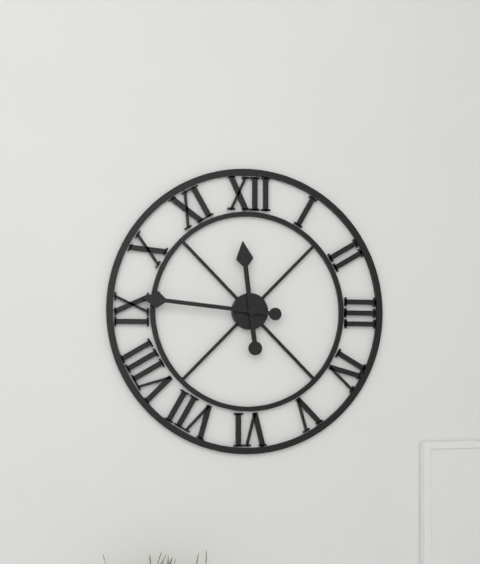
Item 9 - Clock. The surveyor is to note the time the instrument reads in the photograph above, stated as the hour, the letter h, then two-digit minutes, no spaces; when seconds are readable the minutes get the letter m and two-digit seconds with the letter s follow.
11h46
